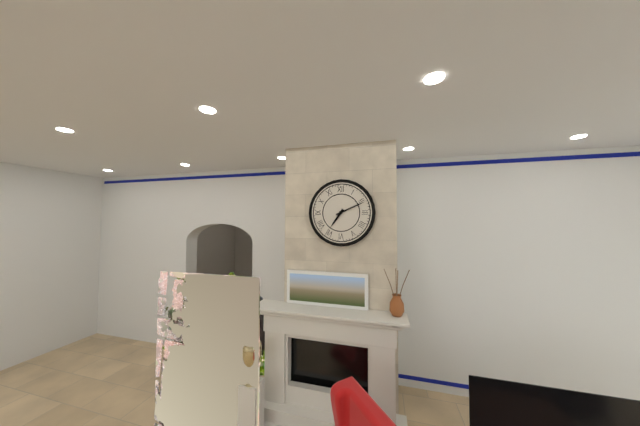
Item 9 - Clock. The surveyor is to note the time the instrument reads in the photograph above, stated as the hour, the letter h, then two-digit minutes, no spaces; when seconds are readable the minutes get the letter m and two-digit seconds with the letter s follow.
7h11
